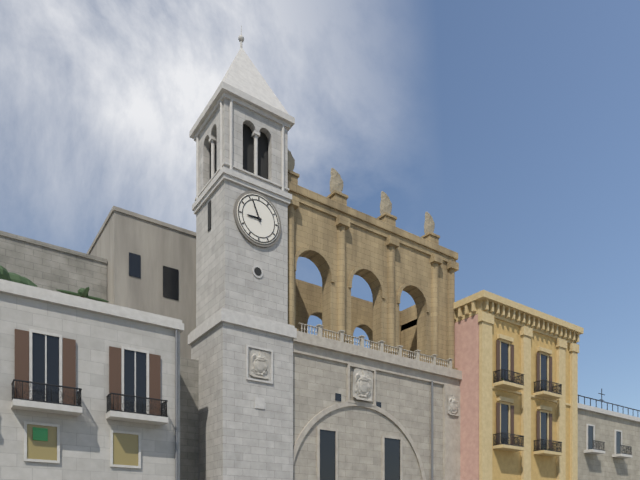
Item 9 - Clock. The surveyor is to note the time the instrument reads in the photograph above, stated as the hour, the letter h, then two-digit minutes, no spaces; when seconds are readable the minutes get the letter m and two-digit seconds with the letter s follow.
8h56
